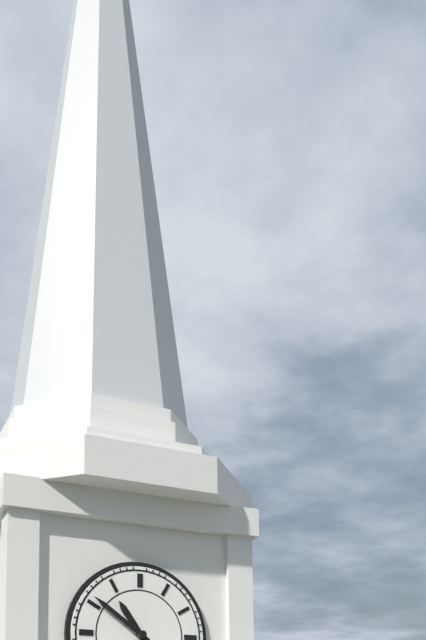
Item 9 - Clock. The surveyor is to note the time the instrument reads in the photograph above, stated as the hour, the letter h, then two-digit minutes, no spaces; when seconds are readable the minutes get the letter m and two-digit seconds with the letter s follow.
10h51
